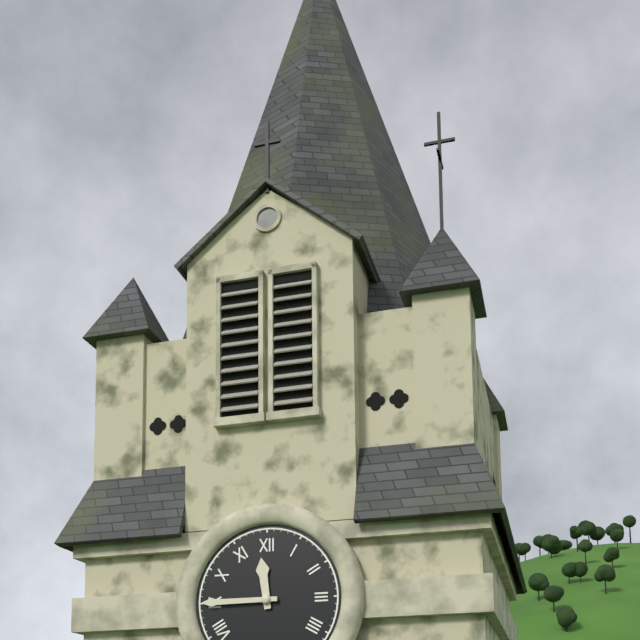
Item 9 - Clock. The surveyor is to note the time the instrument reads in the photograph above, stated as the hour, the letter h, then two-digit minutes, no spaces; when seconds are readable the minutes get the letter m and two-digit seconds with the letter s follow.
11h45
